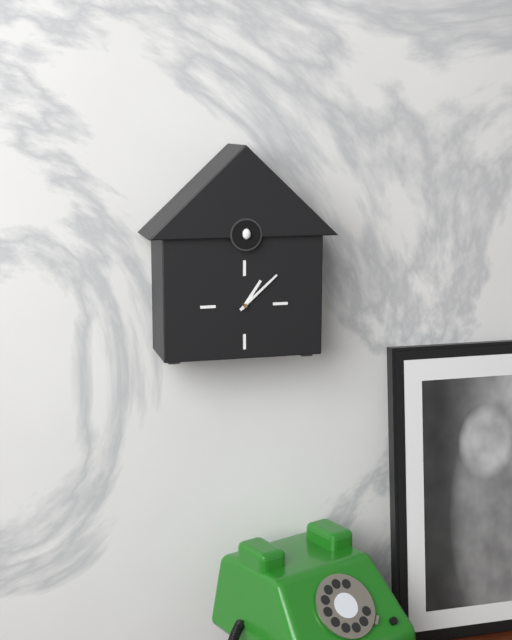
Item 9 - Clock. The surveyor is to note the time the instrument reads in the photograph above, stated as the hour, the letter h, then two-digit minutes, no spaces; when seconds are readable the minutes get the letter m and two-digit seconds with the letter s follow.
1h08
